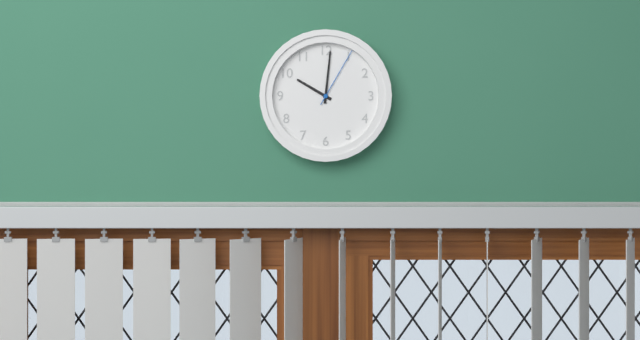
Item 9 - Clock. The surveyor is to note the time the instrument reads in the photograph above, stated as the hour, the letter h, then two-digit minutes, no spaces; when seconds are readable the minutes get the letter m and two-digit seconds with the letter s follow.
10h01m05s
